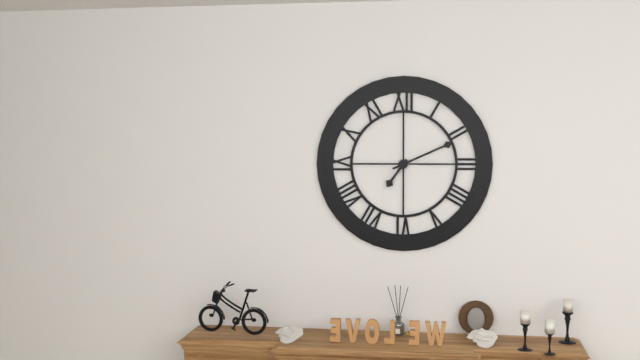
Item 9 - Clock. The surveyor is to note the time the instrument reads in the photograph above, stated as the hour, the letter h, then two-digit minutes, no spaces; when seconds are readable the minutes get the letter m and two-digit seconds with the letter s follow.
7h11
